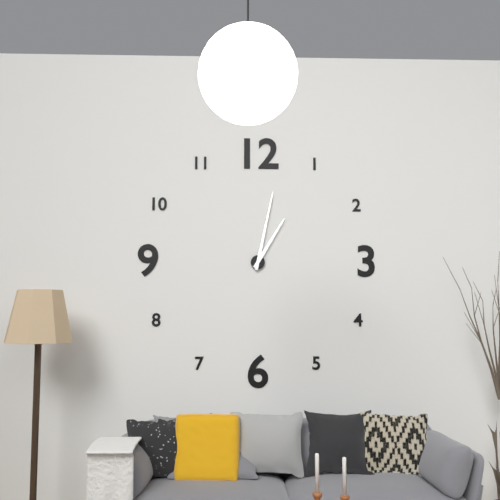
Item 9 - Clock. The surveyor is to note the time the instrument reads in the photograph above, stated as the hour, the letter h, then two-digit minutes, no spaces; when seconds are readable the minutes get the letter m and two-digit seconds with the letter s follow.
1h02
